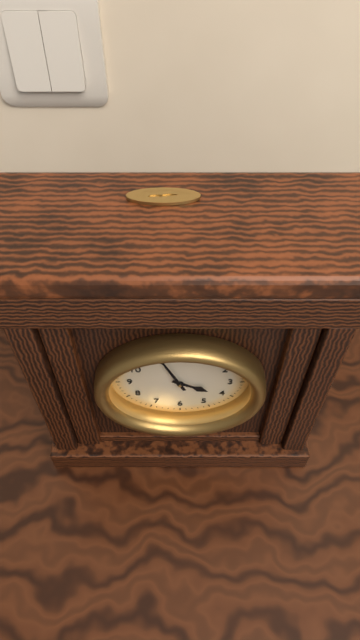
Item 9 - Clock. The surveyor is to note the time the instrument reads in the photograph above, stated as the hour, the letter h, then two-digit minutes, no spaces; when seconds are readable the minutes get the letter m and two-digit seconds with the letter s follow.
3h56
